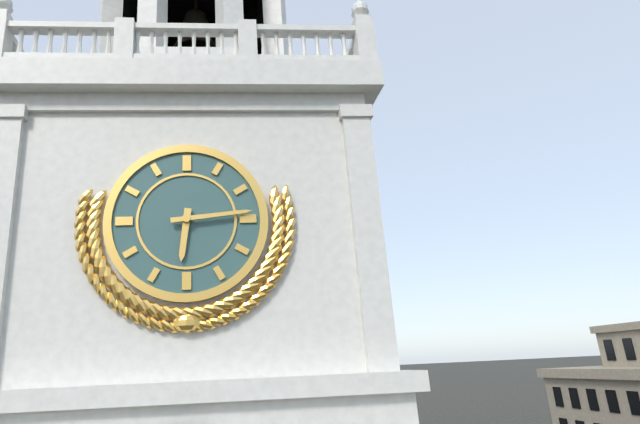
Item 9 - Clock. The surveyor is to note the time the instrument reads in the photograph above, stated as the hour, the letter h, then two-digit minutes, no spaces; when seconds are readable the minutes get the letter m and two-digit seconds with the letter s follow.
6h14
